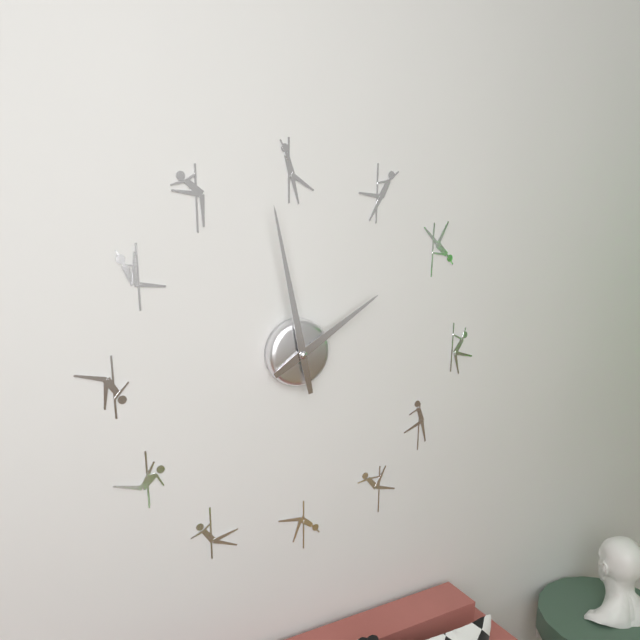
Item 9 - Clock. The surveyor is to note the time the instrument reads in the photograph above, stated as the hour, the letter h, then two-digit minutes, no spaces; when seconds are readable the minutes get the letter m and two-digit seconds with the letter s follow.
1h58
